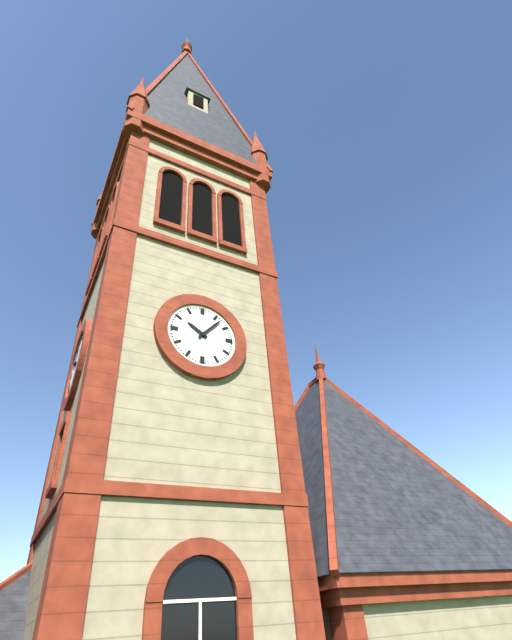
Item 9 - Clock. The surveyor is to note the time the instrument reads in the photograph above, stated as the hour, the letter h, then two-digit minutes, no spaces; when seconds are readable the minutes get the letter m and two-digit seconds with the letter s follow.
10h07
